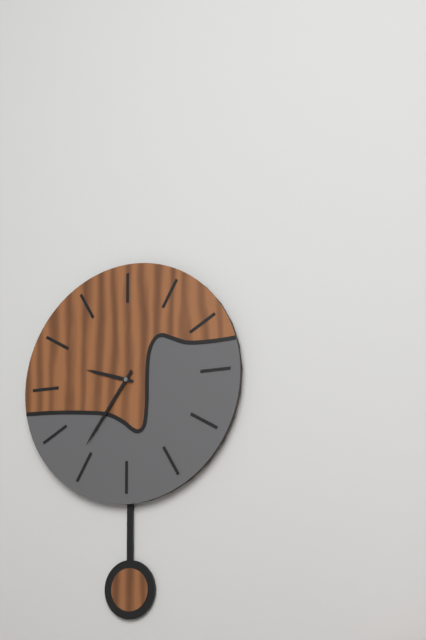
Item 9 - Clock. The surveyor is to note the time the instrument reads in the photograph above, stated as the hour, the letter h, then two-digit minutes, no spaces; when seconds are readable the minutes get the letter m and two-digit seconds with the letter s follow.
9h36
